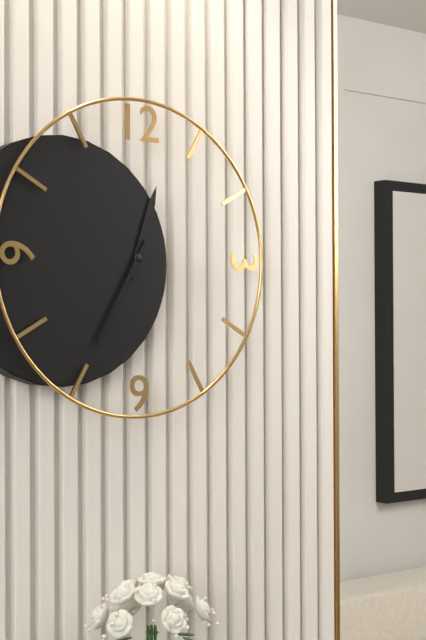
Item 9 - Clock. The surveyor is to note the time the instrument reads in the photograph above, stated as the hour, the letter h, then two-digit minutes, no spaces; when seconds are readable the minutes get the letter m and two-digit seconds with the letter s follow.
12h35
